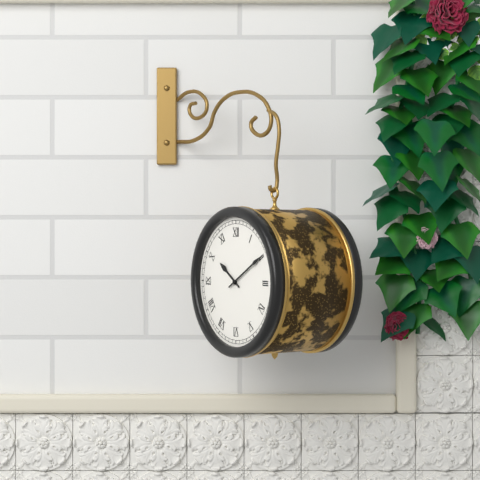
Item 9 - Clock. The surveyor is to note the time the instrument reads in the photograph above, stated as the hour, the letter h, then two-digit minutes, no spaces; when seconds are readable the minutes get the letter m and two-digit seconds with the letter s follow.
10h10
